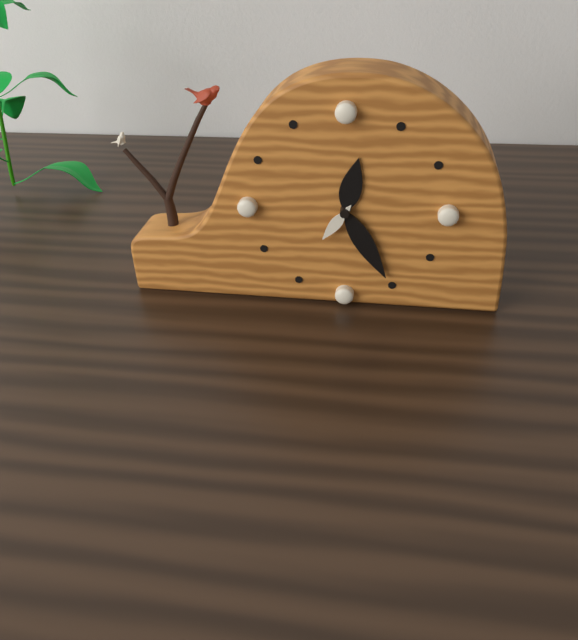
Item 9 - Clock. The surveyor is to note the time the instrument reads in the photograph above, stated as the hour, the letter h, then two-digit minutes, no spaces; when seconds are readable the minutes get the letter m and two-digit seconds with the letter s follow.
12h25
